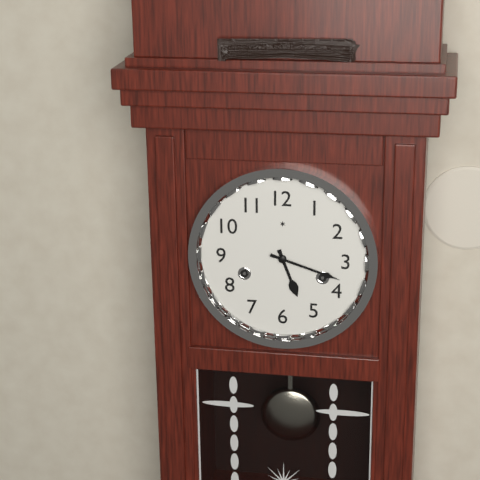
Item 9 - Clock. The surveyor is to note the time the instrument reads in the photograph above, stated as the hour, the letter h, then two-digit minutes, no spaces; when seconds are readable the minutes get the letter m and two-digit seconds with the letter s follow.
5h18
